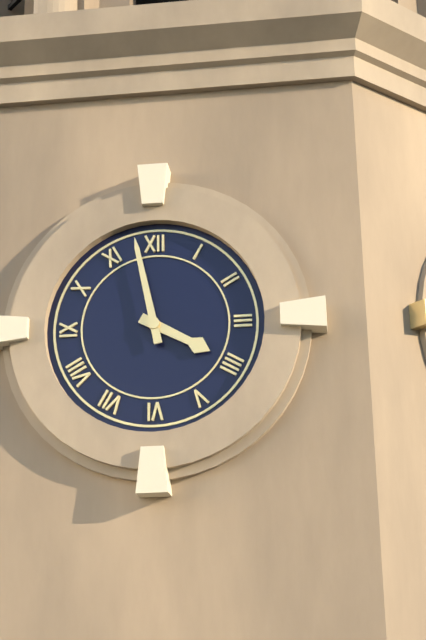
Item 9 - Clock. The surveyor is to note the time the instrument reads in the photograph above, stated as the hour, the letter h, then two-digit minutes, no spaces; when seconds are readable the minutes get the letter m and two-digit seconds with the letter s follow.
3h58
